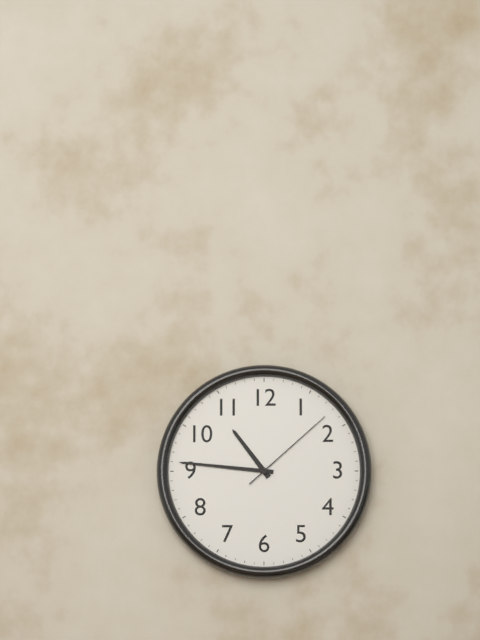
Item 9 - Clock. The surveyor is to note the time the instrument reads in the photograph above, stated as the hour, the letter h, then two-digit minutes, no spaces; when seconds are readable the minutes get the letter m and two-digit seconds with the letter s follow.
10h46m08s
